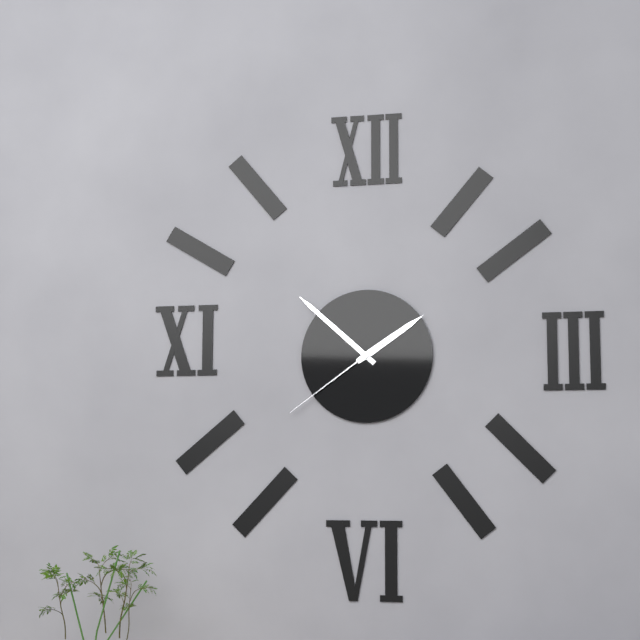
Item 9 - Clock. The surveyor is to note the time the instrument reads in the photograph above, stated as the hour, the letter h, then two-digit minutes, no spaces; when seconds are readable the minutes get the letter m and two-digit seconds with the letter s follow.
1h52m39s
